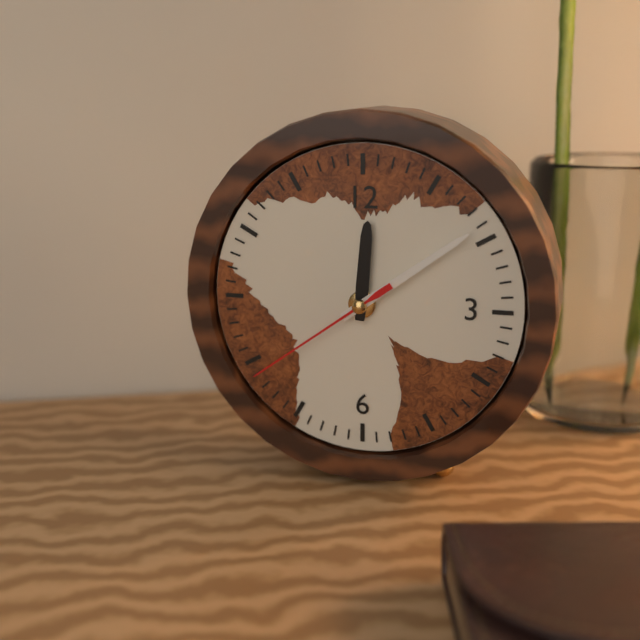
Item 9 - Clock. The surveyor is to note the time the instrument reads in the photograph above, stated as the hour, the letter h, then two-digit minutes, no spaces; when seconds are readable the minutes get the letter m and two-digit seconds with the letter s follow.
12h09m39s
